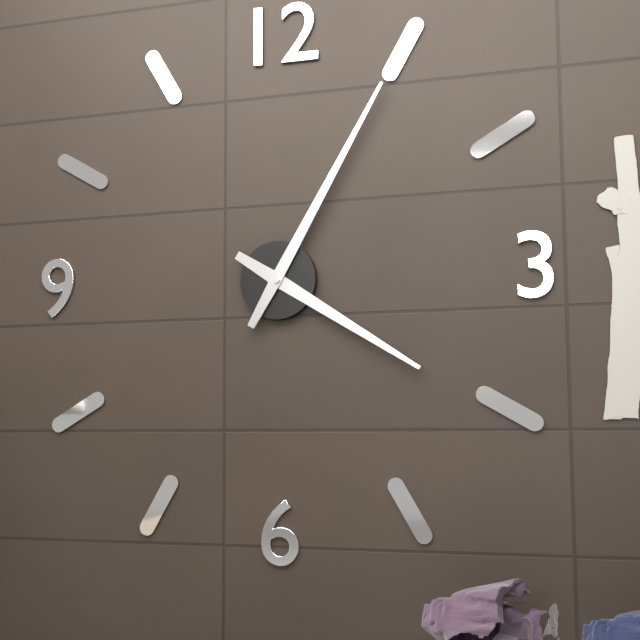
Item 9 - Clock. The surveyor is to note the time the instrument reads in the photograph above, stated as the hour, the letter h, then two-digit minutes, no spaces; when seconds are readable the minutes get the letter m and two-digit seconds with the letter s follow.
4h05
